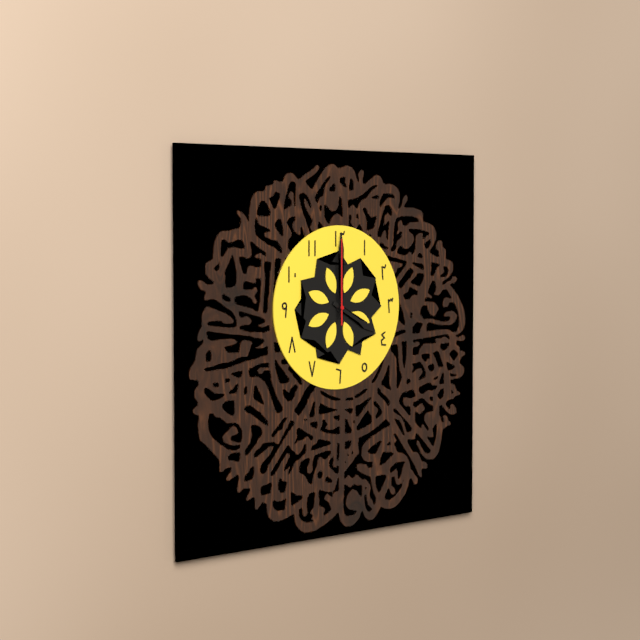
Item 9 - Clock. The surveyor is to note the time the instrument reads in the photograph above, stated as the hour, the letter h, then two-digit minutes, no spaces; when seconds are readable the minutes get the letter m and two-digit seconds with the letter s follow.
4h00m00s
